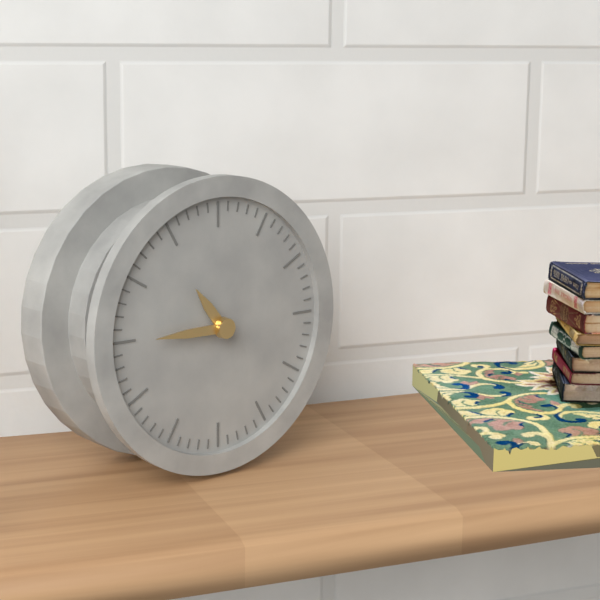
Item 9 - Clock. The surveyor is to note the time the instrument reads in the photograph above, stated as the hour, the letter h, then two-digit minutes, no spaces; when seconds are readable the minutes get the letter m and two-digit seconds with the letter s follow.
10h45
